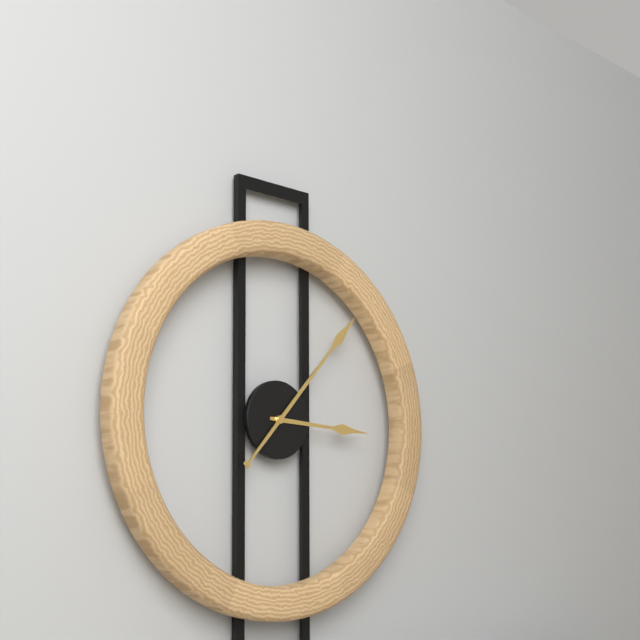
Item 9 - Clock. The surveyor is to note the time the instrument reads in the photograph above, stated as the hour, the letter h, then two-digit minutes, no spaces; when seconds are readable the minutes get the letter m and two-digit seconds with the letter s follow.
3h07
